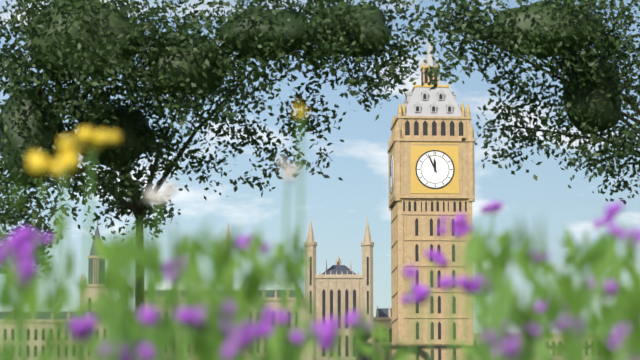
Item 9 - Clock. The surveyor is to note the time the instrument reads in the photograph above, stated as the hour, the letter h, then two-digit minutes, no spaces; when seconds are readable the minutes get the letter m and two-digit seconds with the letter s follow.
11h56
